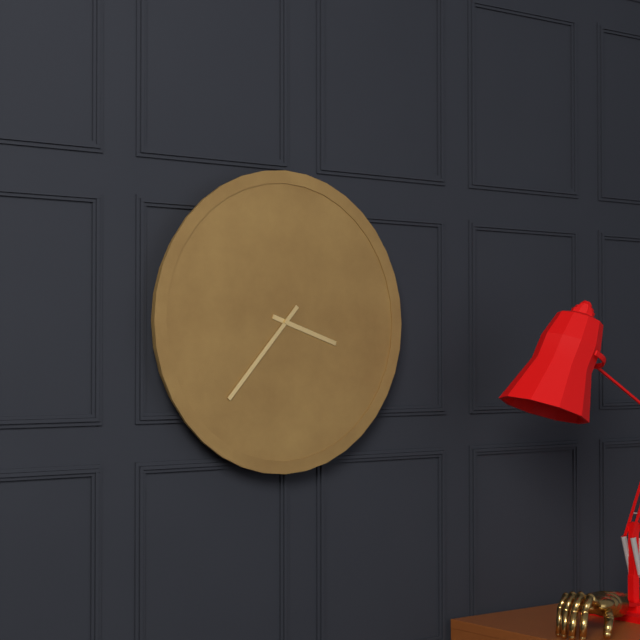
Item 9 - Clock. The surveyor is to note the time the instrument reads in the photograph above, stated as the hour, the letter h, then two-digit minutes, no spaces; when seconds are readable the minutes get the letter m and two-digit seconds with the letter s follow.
3h37
